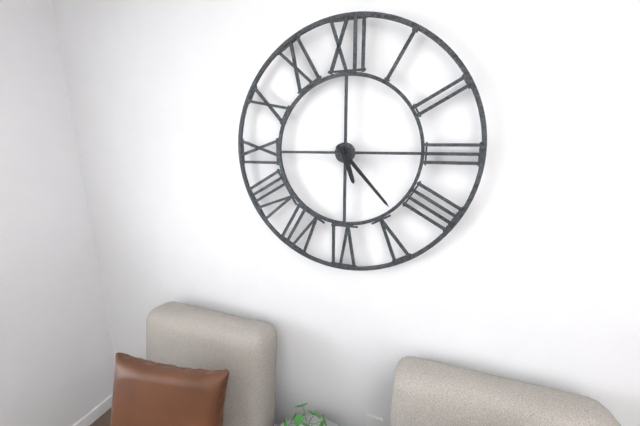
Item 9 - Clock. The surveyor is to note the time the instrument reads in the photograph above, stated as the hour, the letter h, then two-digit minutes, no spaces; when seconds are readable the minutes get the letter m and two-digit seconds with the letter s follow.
5h23
